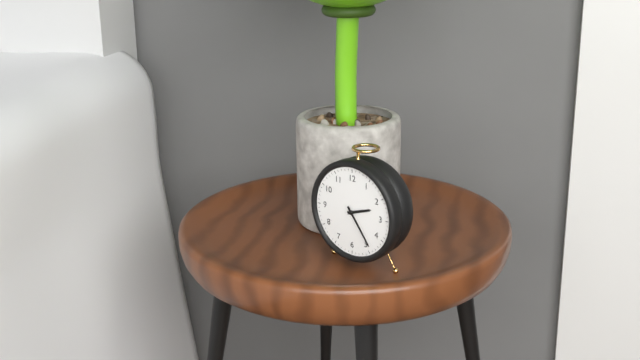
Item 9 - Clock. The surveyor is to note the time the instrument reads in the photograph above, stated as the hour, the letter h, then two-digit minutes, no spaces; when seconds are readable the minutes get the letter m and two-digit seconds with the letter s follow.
2h24
